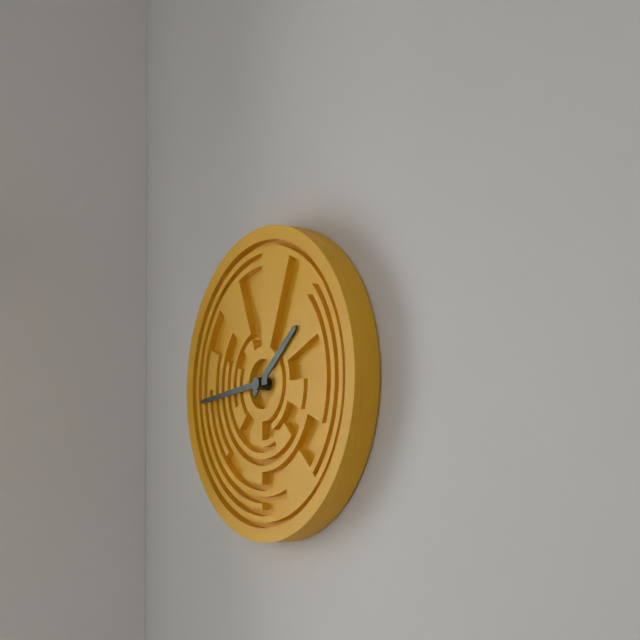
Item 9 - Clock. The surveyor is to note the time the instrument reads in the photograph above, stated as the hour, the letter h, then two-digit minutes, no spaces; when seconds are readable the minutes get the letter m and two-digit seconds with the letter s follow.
1h44
